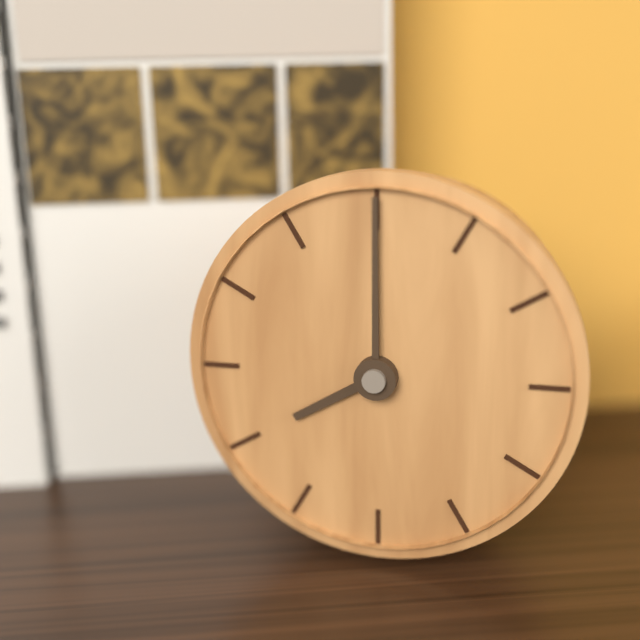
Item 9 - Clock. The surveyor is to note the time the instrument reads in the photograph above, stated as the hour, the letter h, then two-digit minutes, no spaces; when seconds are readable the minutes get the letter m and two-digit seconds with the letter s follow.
8h00
